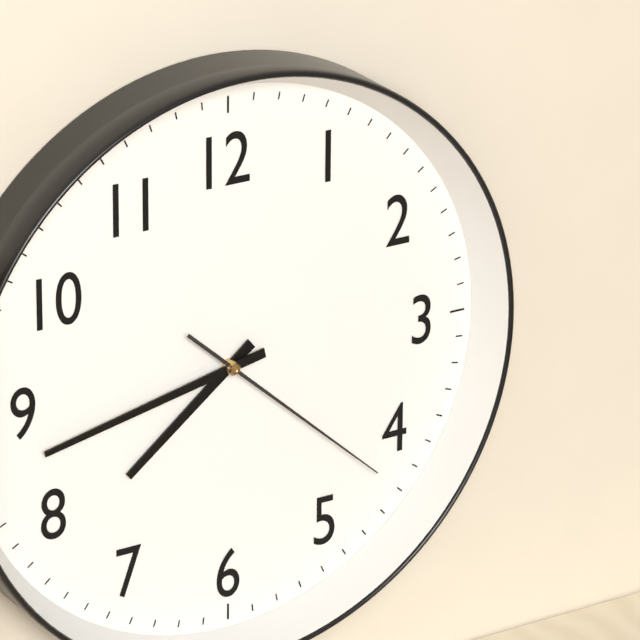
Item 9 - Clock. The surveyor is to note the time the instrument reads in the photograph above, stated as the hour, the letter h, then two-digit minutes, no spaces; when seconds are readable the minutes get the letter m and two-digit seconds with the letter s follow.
7h43m22s
